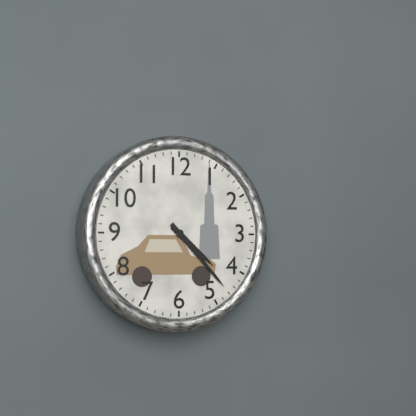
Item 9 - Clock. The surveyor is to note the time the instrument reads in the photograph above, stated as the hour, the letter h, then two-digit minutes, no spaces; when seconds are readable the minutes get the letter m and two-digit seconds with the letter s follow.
4h23
